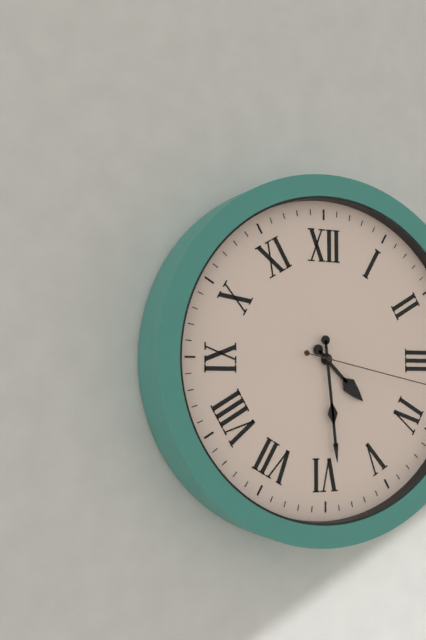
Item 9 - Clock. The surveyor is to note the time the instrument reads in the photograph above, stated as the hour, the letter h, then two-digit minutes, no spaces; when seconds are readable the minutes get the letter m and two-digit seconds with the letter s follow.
4h29
